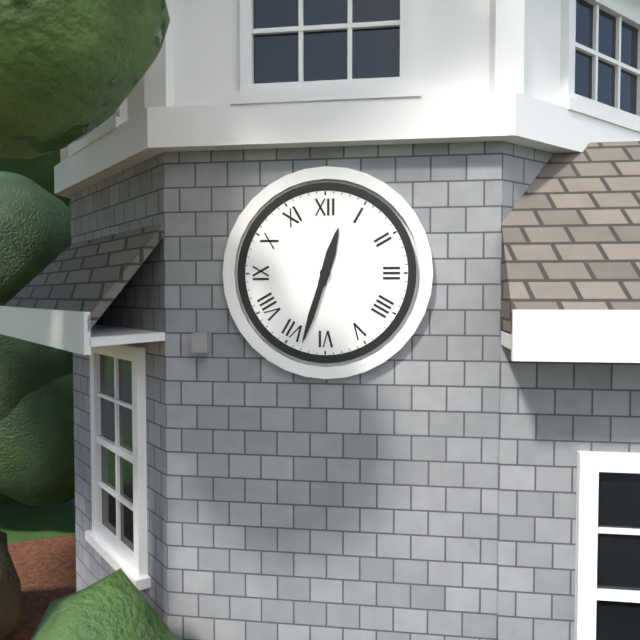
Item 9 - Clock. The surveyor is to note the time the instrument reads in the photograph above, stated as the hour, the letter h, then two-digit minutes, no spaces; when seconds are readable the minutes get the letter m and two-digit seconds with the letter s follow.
12h33
